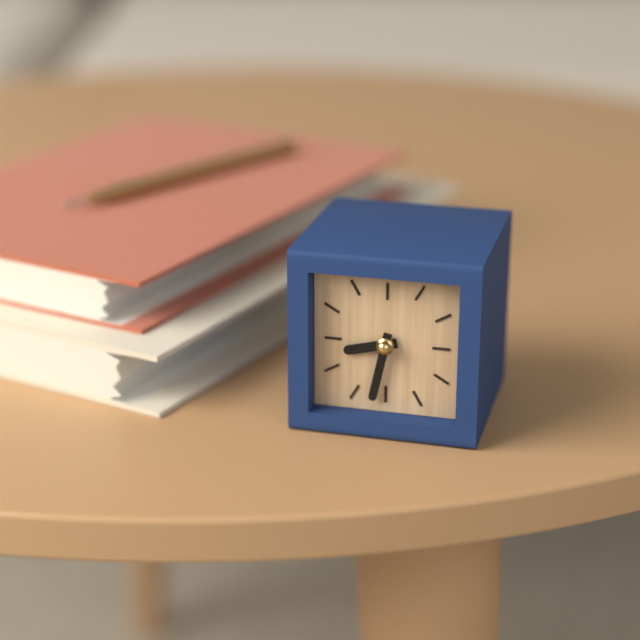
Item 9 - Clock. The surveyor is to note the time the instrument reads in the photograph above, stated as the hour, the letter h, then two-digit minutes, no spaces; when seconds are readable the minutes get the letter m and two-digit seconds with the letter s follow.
8h32
